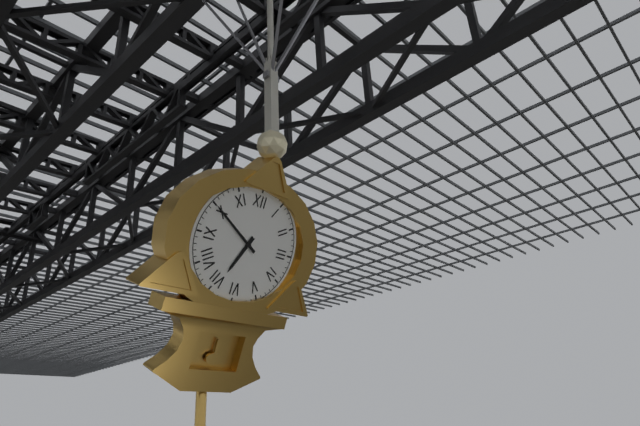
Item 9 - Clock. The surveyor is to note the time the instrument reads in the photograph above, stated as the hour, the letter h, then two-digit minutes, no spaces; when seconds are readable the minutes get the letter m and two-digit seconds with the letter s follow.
6h50
